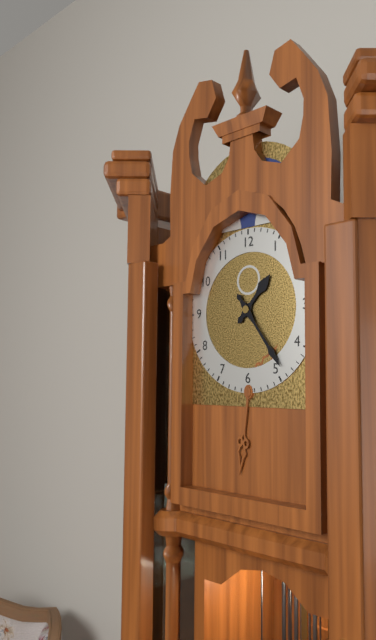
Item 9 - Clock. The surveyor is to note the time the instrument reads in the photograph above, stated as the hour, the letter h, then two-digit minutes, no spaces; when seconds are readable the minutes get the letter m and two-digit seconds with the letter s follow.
1h24
